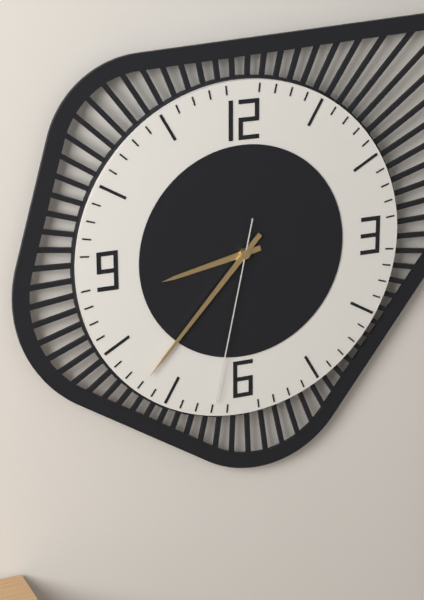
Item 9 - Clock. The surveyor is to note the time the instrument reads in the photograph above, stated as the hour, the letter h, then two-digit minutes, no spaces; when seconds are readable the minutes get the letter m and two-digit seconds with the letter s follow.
8h37m32s
